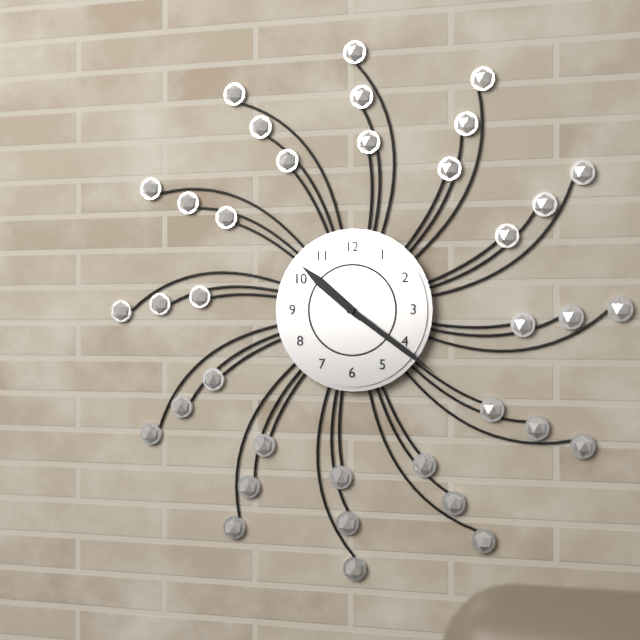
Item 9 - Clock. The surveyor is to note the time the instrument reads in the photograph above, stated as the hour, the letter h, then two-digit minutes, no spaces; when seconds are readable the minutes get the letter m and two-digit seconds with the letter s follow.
10h21
